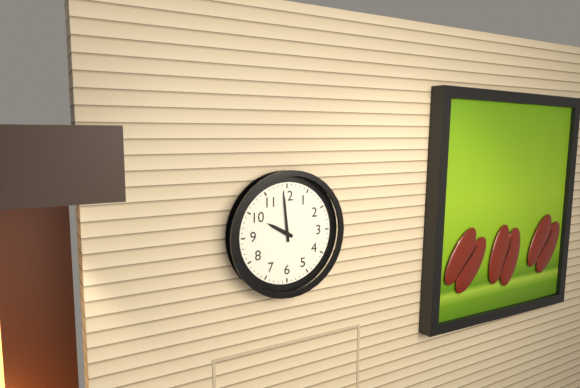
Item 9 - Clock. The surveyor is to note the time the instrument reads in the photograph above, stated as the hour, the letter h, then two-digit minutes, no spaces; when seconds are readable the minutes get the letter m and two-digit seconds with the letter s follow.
9h59
